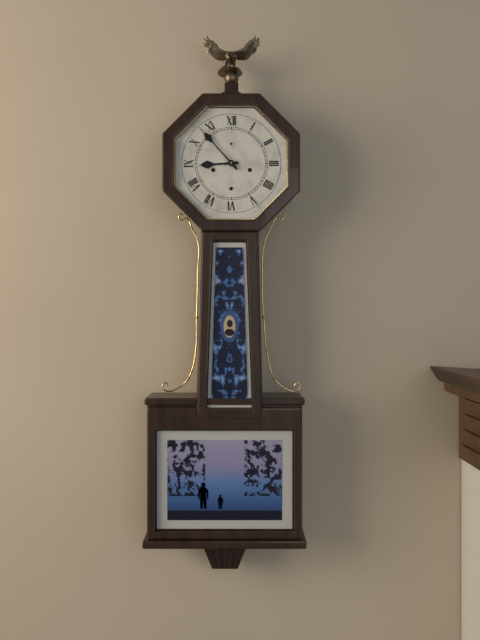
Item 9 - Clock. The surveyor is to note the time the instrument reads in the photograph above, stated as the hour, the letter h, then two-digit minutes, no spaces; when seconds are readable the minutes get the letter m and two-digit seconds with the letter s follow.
8h53
